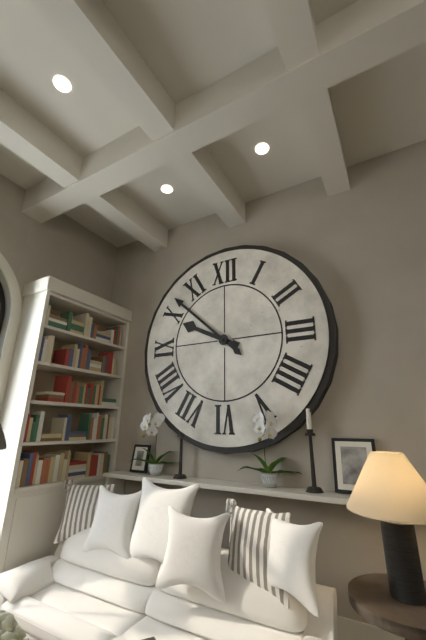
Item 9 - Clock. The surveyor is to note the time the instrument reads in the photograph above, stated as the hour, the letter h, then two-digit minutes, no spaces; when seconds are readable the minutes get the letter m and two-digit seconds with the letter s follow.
9h52
